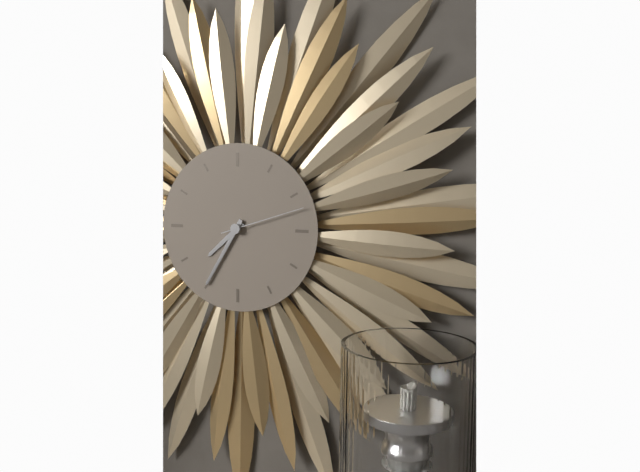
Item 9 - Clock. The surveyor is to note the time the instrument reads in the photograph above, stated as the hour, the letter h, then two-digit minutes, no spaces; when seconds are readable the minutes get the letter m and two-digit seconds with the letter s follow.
7h35m12s
